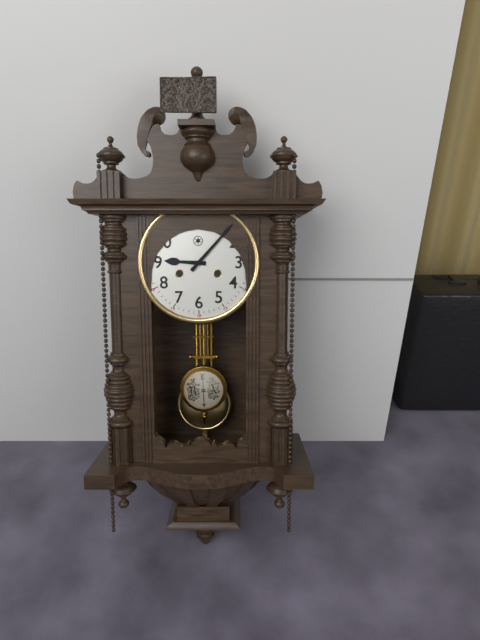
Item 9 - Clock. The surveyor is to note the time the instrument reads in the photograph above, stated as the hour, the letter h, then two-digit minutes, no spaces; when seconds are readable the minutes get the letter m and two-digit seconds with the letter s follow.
9h07
